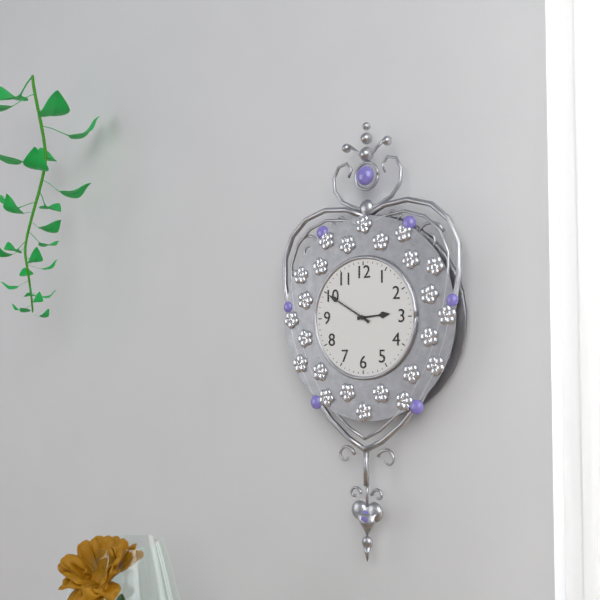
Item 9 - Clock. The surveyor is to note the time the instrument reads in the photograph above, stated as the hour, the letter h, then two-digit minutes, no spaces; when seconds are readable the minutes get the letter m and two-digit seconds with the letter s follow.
2h50
